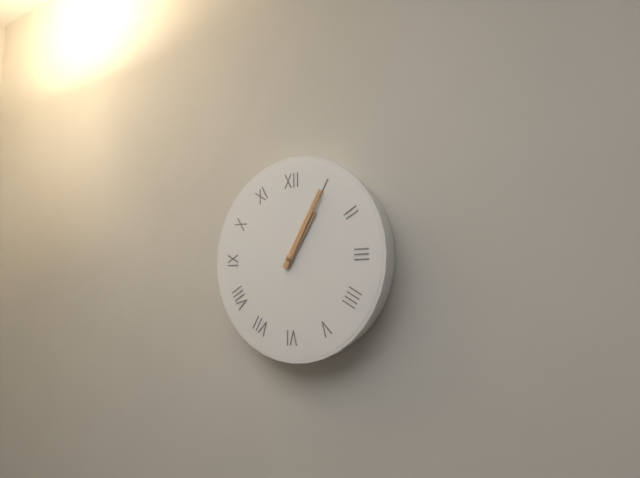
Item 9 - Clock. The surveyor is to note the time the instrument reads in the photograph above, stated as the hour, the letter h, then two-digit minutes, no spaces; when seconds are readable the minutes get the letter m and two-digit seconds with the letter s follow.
1h05
